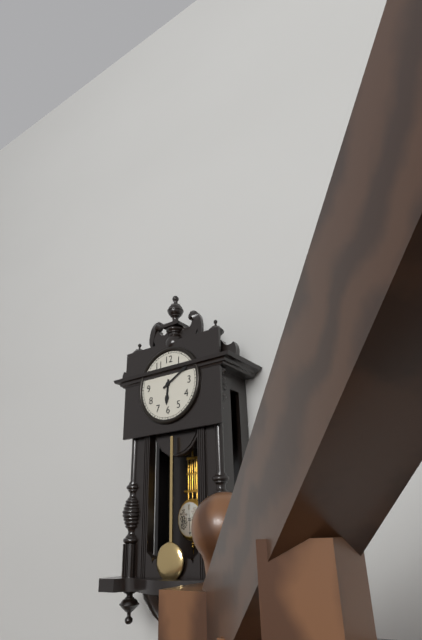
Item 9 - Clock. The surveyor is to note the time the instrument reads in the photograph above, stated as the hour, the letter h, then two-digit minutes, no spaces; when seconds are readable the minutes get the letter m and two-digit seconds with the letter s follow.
6h10
